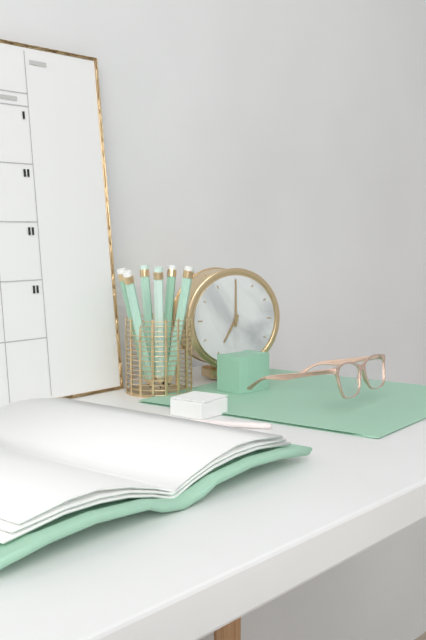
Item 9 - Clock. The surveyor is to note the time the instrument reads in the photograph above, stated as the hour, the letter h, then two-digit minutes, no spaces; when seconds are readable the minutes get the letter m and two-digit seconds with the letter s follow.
7h00
